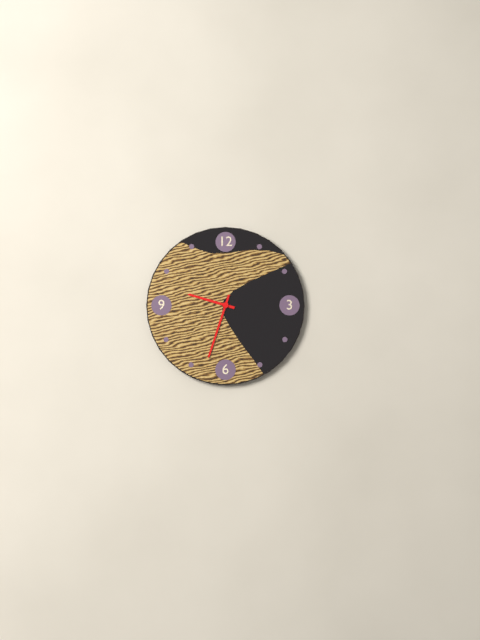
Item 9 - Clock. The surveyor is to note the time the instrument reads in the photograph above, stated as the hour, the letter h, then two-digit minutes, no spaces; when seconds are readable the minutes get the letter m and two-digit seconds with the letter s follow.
9h33
